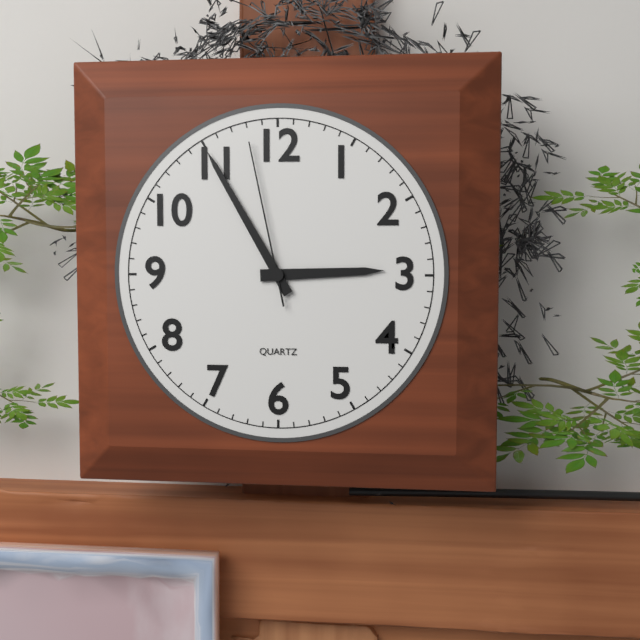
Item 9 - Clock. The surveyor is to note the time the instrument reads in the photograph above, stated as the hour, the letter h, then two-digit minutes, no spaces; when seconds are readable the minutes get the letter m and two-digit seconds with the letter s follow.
2h55m58s
